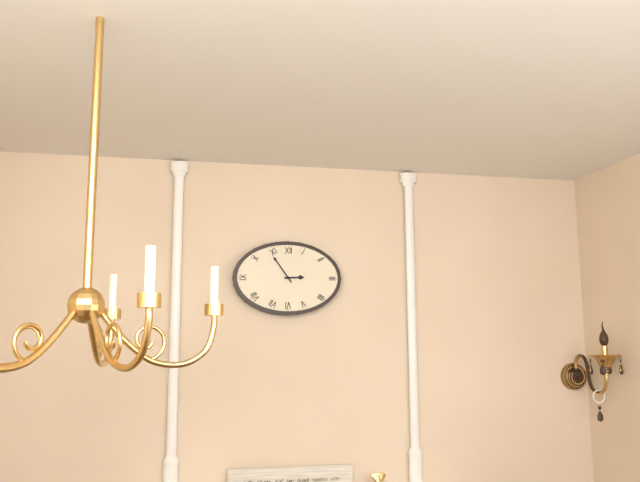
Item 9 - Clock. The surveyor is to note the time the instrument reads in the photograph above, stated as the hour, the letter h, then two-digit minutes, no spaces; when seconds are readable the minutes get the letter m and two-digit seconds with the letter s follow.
2h54
